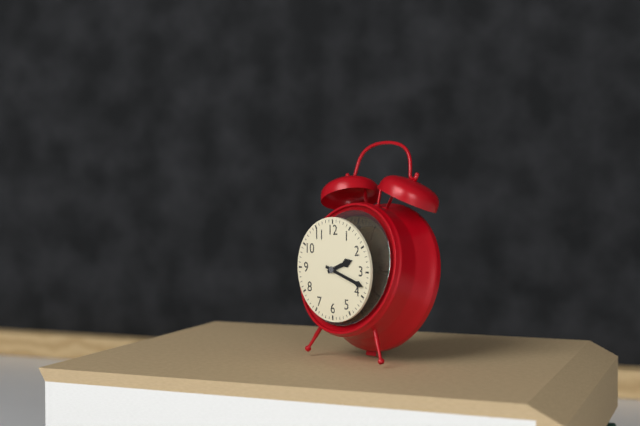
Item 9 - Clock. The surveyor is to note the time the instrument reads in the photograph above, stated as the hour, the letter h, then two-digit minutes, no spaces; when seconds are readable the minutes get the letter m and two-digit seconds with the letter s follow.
2h18
